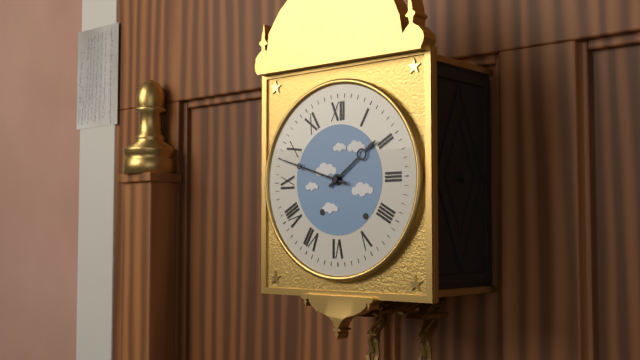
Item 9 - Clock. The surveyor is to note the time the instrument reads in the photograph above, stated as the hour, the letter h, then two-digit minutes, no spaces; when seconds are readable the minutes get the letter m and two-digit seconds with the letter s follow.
1h48
